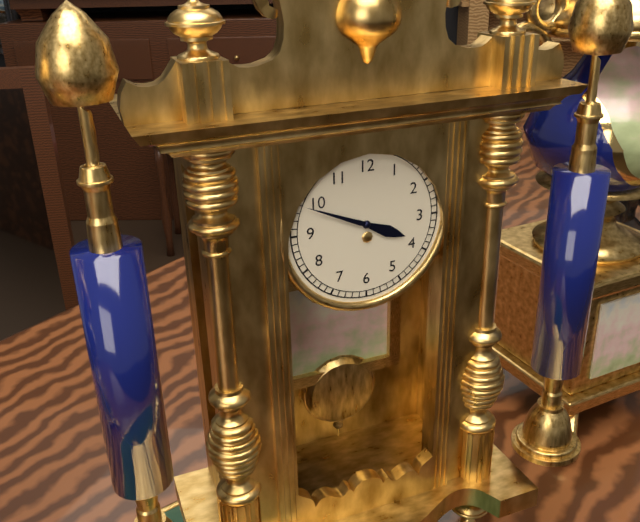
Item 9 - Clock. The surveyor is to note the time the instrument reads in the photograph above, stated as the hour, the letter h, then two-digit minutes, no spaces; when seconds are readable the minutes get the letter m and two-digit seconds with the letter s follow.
3h49
